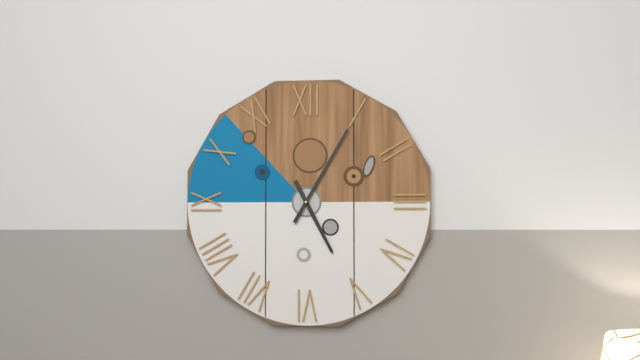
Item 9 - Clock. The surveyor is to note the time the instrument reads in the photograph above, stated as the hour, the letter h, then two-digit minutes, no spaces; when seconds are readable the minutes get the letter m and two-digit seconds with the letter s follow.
5h05
